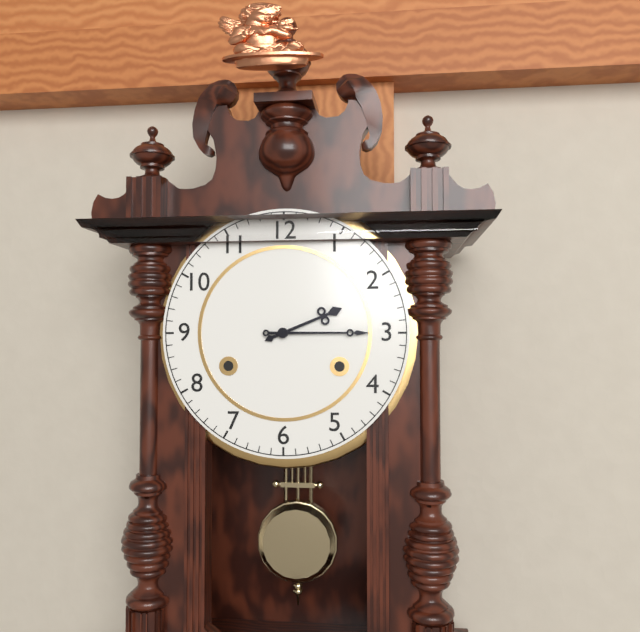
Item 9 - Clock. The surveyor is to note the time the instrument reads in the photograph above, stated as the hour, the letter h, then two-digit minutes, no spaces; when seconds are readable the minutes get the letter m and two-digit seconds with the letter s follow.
2h15
